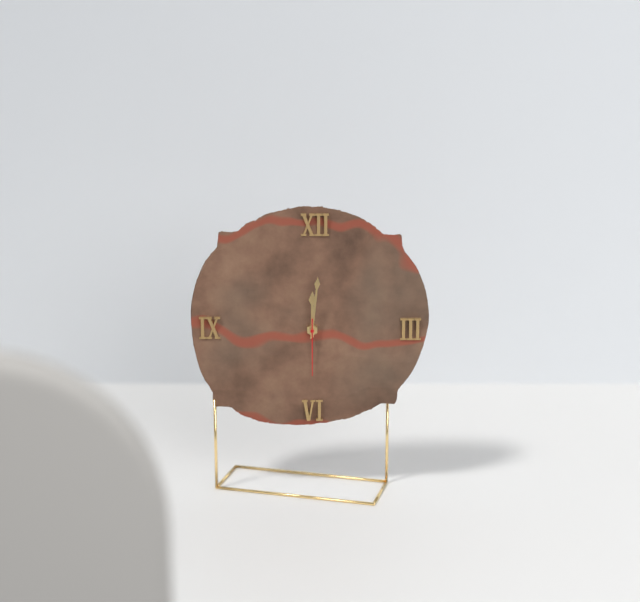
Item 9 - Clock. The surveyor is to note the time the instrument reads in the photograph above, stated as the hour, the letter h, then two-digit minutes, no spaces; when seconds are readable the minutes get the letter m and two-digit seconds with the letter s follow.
12h01m30s
